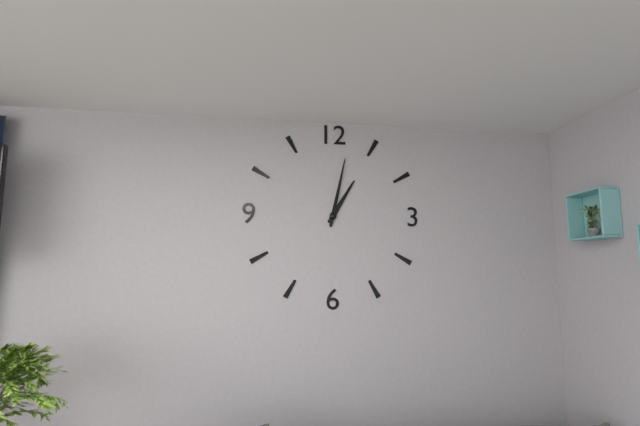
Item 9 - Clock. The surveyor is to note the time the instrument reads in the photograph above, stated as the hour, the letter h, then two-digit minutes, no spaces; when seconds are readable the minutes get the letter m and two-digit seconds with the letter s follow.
1h02
